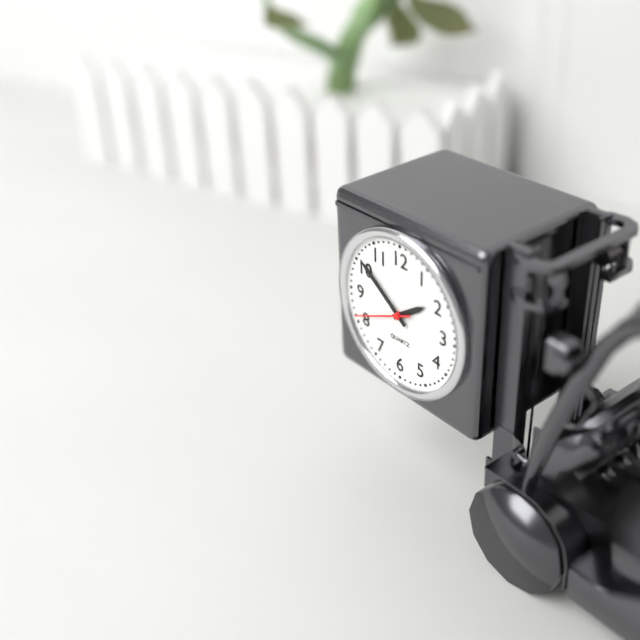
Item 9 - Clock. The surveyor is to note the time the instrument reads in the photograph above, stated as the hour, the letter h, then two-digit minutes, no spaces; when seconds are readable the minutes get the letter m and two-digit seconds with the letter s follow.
1h51m41s
